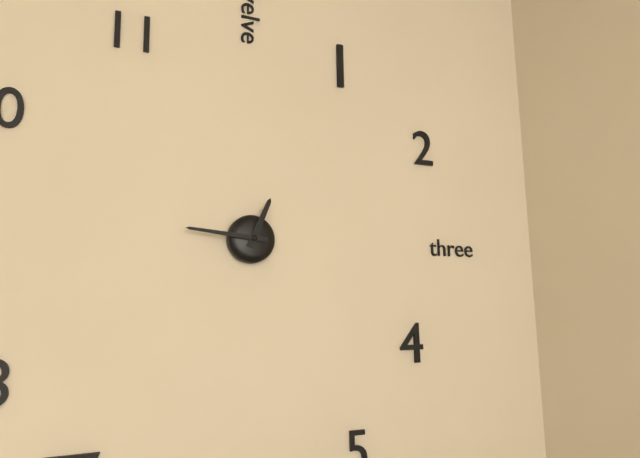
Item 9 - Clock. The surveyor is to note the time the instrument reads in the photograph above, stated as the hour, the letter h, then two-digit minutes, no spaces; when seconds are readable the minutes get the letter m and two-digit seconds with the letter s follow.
12h46
